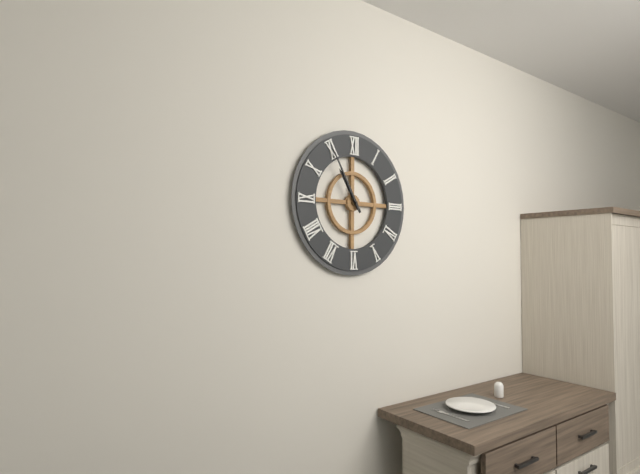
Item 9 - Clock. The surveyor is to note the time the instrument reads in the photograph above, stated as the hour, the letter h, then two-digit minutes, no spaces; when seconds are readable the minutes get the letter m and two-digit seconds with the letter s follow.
10h55
